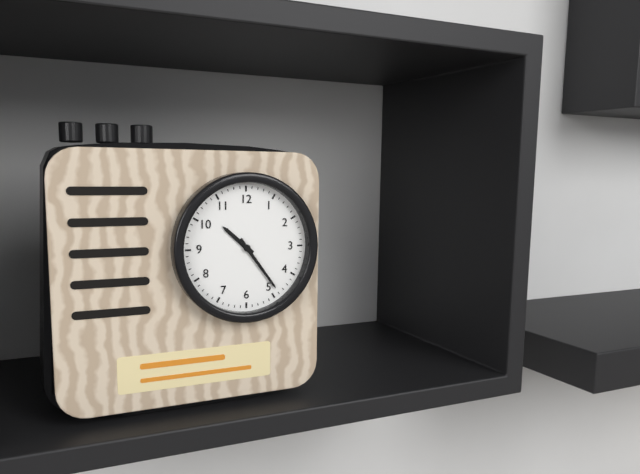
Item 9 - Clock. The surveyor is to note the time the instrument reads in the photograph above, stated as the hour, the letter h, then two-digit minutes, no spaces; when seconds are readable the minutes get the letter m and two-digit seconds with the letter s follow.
10h24
